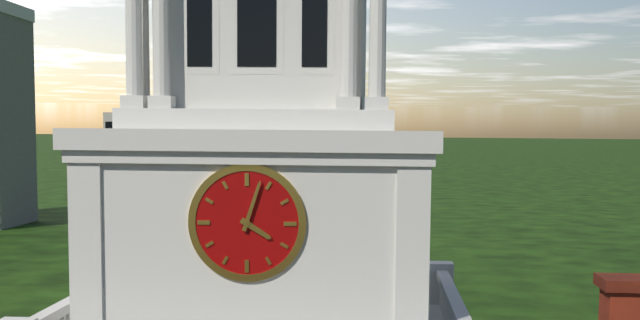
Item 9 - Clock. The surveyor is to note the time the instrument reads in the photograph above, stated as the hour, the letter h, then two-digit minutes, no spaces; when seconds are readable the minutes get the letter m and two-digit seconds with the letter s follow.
4h03
